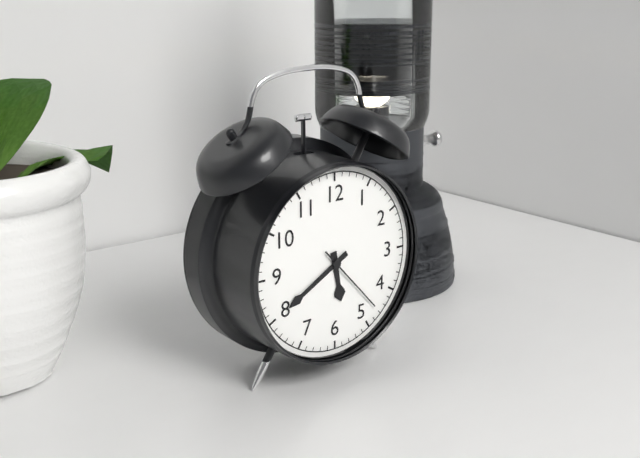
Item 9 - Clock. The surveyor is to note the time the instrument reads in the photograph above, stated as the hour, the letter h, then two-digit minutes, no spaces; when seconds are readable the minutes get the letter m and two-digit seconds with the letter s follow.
5h40m23s
